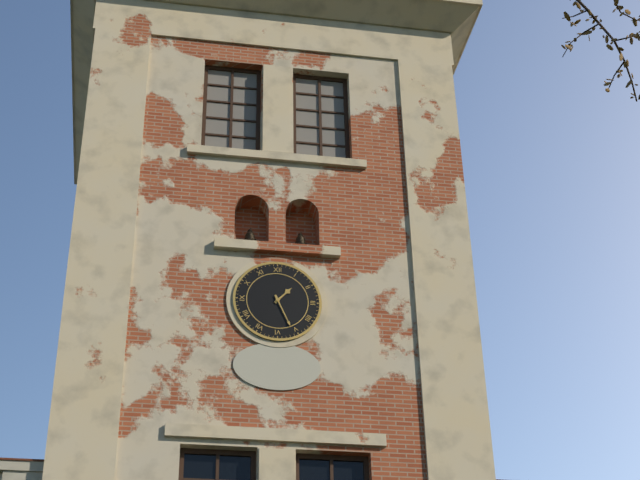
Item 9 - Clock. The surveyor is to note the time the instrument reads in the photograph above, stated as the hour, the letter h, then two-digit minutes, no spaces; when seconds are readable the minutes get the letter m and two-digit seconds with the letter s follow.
1h26
